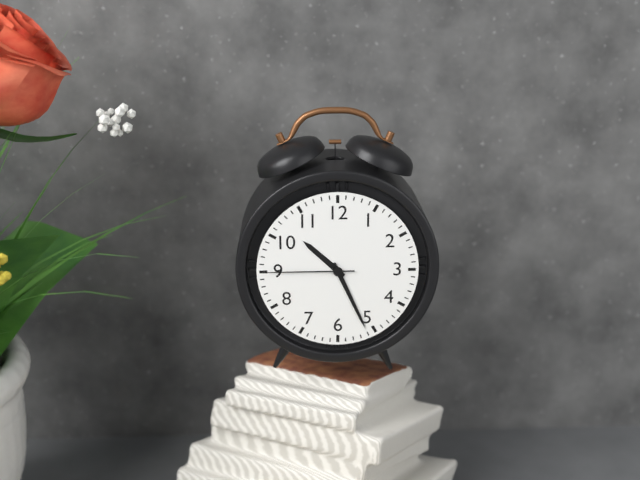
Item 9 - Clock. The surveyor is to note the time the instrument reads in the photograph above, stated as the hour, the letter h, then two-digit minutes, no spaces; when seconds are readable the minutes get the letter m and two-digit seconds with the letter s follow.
10h26m45s
